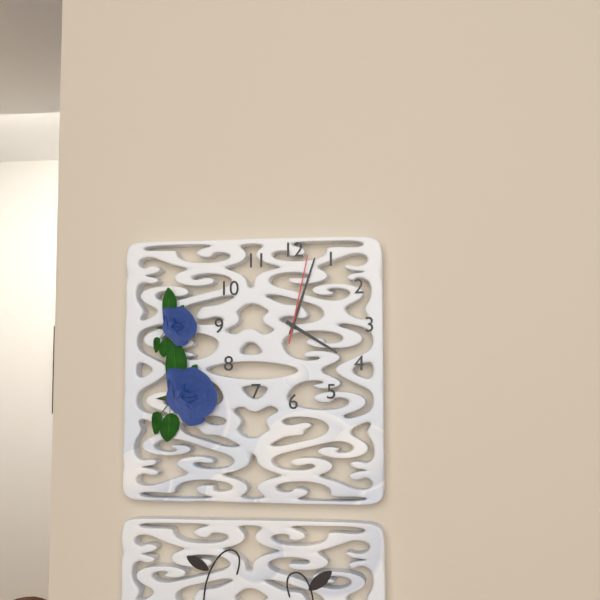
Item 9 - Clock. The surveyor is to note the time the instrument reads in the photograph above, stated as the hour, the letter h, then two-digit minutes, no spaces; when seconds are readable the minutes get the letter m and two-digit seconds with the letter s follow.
4h03m02s
